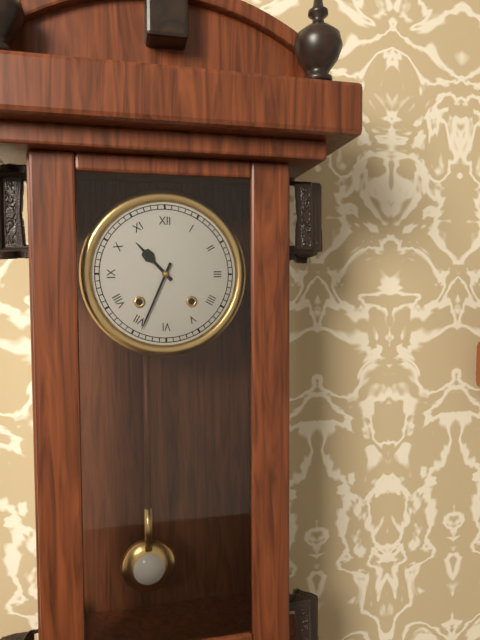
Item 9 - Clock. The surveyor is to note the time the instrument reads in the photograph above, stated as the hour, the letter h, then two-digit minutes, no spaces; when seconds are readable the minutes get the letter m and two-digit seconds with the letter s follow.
10h34
